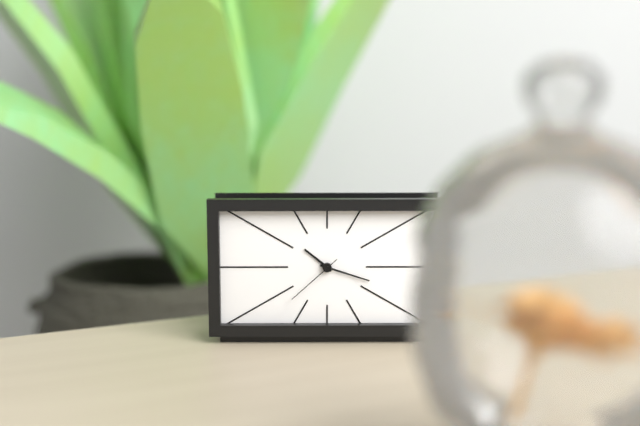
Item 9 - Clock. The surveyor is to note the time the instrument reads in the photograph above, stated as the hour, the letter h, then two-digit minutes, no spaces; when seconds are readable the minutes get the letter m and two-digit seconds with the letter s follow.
10h18m38s
